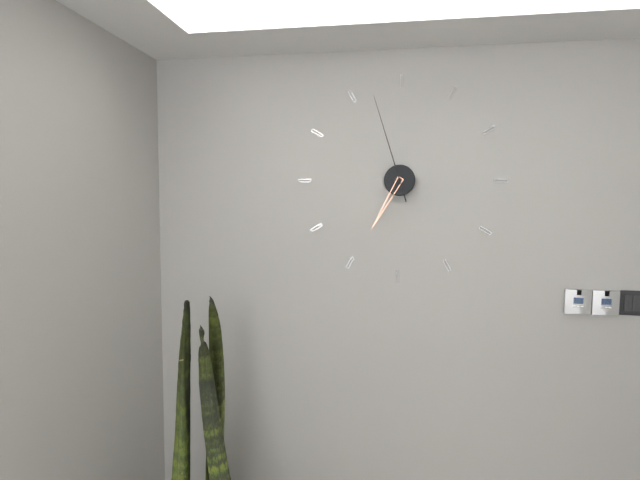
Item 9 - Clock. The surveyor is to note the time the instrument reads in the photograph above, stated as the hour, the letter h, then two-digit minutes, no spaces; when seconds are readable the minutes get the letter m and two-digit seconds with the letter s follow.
6h57
